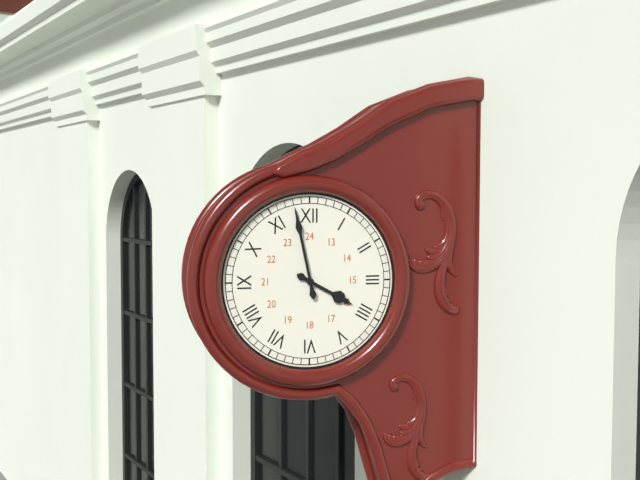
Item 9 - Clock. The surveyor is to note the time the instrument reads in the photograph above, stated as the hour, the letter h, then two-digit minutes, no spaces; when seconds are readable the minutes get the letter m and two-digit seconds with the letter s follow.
3h58
